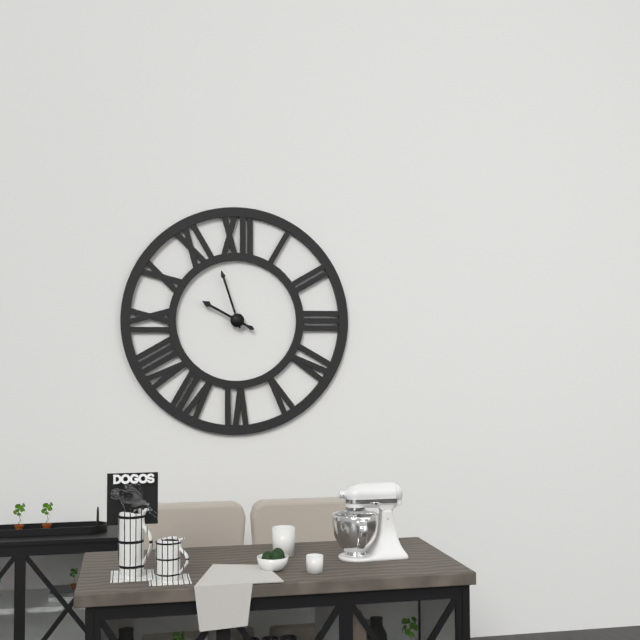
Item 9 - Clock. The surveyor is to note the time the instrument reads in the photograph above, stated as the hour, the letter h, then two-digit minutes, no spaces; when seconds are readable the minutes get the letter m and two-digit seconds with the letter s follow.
9h57
